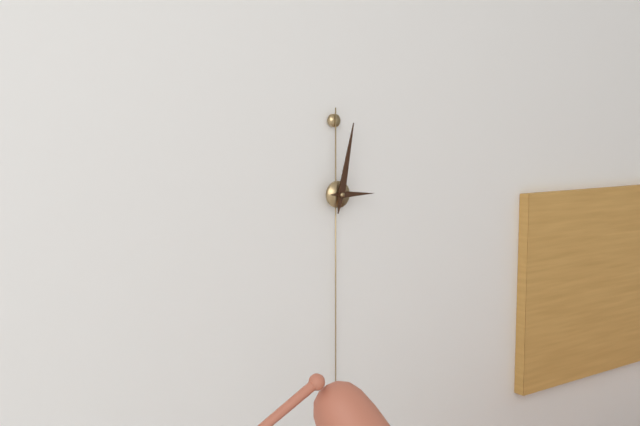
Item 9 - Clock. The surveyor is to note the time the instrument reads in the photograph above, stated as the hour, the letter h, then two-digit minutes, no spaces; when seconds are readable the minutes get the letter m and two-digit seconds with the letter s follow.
3h02
